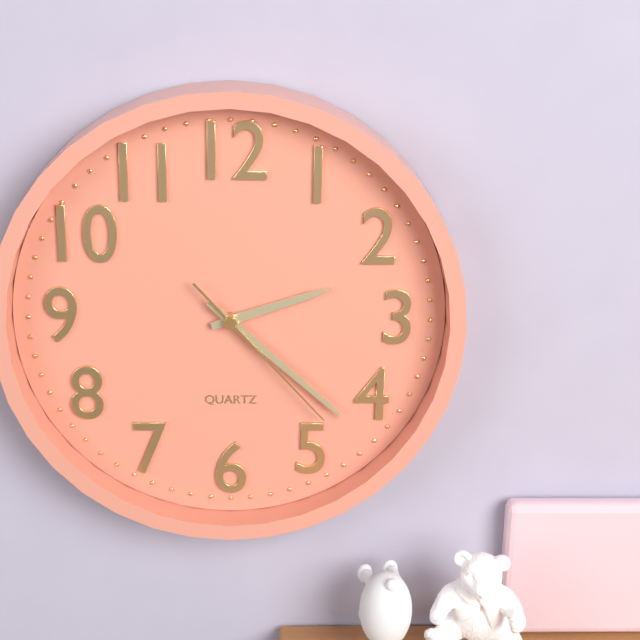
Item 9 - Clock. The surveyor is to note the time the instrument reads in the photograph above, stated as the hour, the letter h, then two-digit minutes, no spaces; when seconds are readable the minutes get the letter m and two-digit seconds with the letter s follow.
2h22m23s
